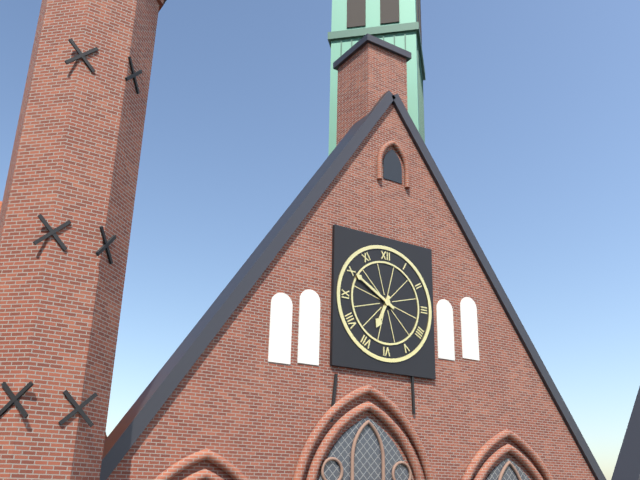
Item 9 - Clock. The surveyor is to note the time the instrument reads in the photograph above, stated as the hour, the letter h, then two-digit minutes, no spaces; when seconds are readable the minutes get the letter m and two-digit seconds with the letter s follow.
6h50
